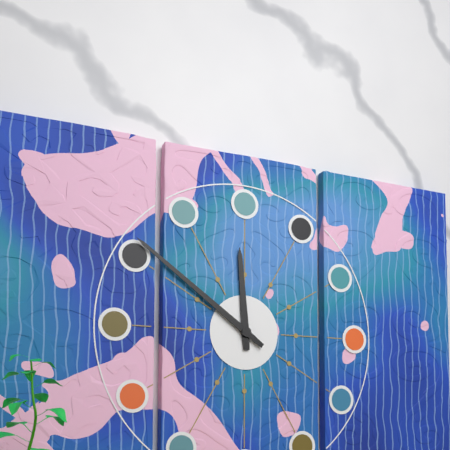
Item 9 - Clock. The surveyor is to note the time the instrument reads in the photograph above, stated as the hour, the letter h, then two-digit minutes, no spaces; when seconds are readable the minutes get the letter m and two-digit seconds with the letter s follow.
11h51
